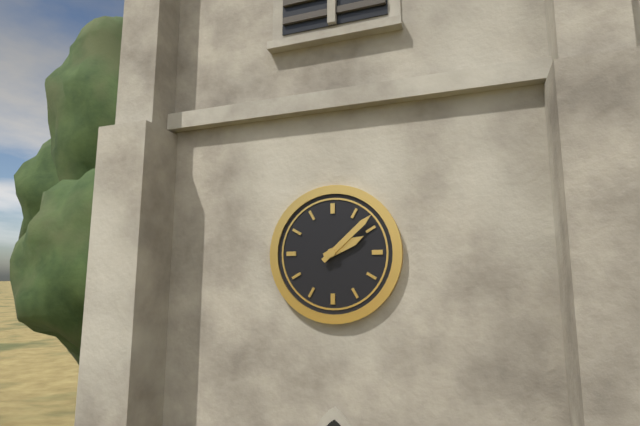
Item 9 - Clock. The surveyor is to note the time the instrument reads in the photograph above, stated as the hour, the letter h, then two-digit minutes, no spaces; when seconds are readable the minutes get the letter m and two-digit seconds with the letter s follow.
2h08
